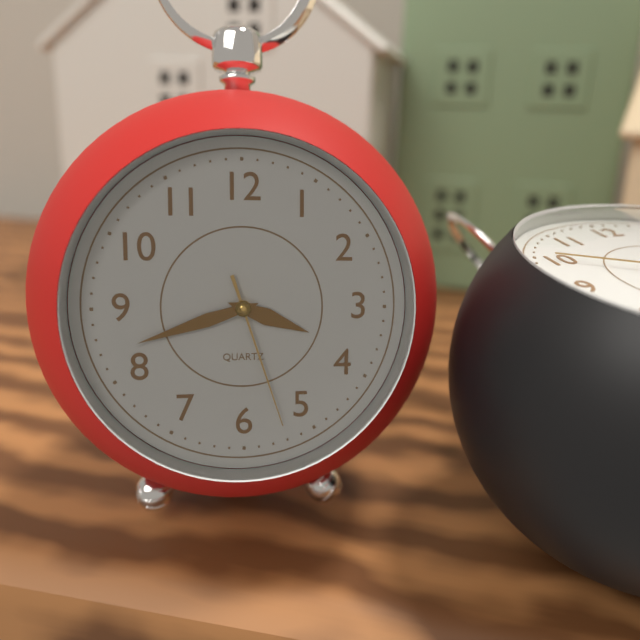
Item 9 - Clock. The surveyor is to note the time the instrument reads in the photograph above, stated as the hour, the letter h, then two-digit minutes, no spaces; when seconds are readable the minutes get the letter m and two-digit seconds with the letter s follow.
3h42m27s
